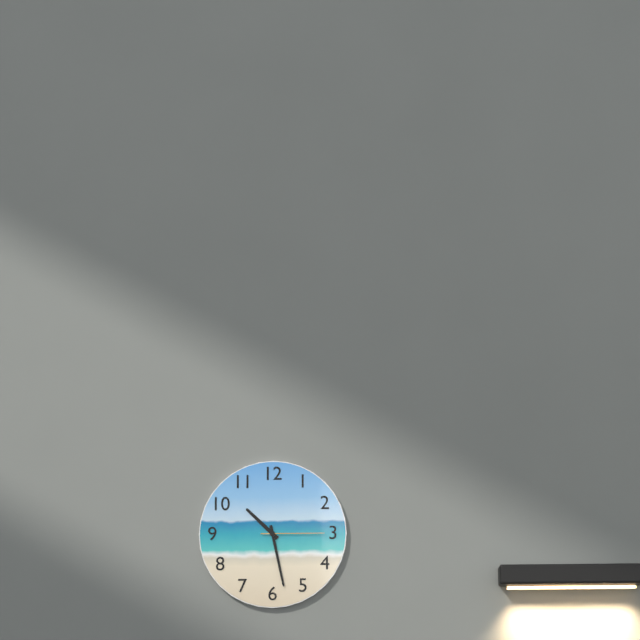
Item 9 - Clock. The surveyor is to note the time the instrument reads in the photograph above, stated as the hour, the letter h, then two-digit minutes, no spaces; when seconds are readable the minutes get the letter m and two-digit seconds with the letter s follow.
10h28m15s
